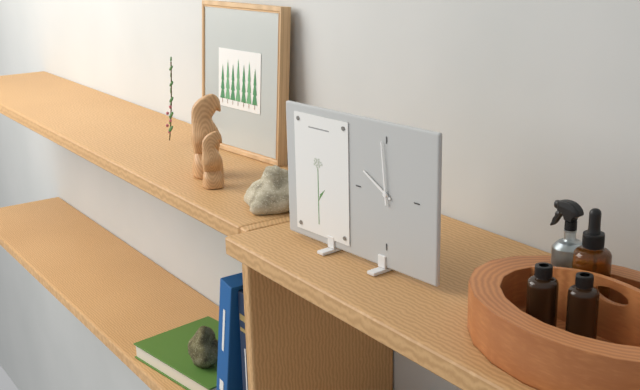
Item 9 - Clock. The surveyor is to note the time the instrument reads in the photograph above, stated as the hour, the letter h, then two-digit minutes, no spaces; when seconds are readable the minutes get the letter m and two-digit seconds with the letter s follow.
9h59
